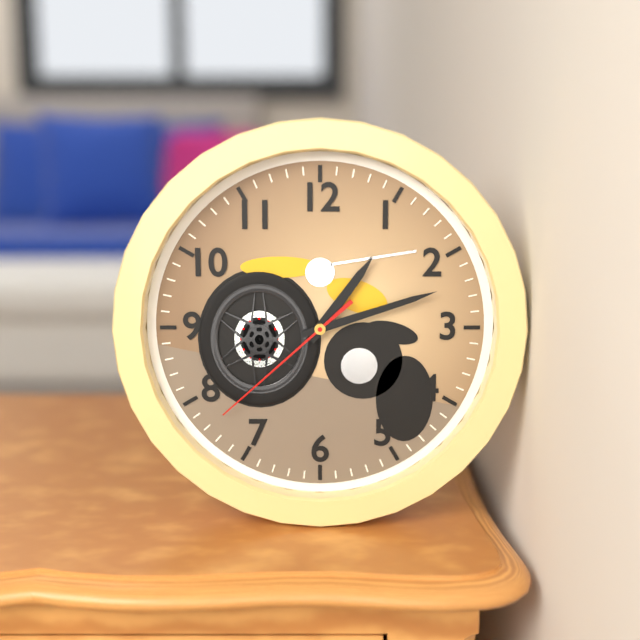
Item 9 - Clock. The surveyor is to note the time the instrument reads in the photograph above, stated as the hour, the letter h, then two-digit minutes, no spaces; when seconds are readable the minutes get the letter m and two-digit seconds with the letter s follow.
1h12m38s
